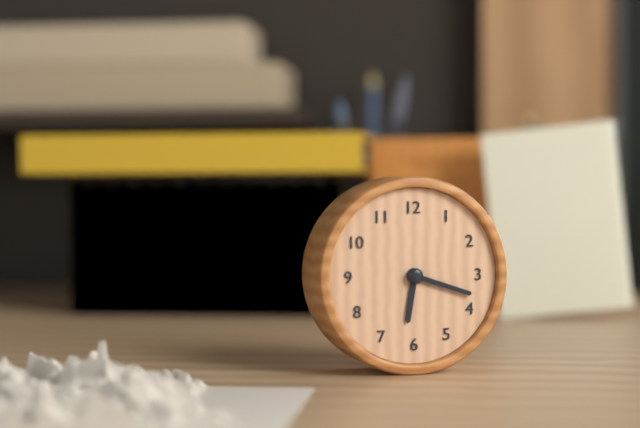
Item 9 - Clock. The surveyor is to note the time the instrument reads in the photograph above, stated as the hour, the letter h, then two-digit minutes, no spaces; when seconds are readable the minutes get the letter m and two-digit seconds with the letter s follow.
6h18
